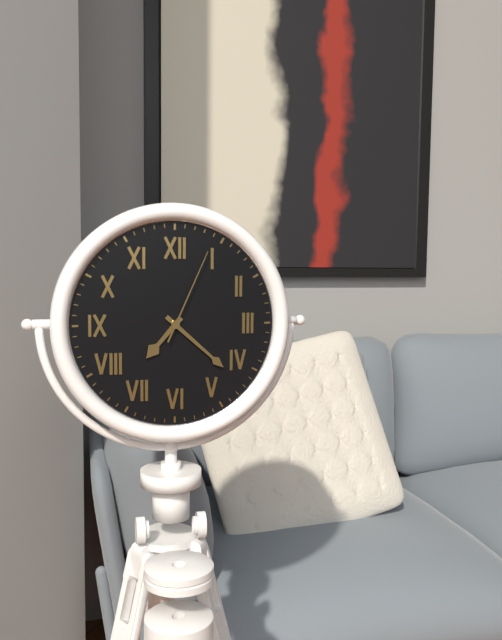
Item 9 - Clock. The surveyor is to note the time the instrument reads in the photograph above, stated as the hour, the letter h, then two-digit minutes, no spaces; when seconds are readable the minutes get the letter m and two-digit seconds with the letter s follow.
7h22m04s
